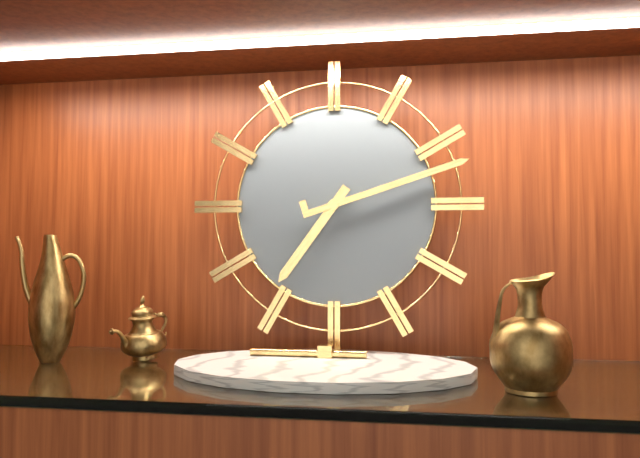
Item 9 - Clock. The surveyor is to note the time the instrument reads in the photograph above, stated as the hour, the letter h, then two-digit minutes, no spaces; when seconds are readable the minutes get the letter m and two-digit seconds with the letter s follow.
7h12
